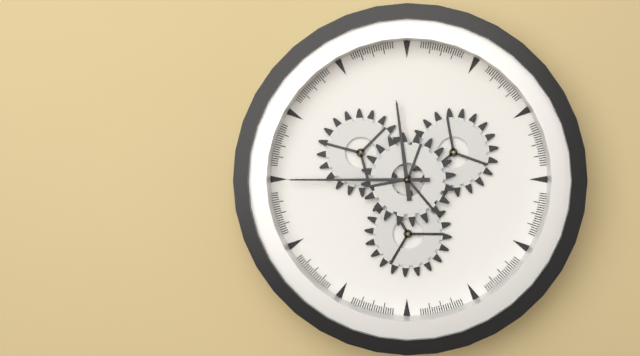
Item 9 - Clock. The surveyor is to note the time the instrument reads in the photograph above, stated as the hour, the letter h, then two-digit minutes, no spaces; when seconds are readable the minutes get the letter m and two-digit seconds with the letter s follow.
11h45
